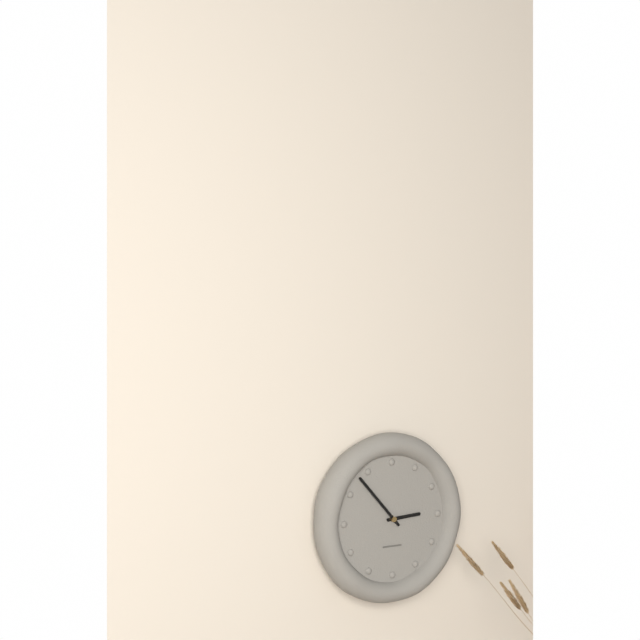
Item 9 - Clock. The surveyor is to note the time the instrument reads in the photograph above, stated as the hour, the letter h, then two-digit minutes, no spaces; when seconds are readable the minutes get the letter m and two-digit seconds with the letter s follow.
2h53
